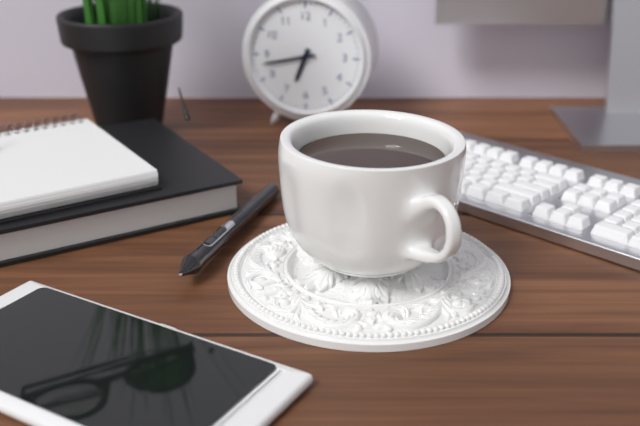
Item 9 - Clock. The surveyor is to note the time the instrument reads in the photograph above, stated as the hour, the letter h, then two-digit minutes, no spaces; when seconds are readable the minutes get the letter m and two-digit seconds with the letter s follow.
6h43
